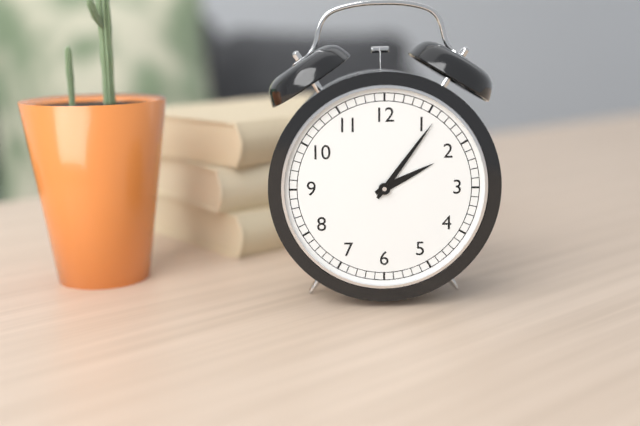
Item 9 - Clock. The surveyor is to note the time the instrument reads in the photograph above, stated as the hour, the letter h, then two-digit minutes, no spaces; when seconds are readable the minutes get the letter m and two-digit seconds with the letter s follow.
2h06
